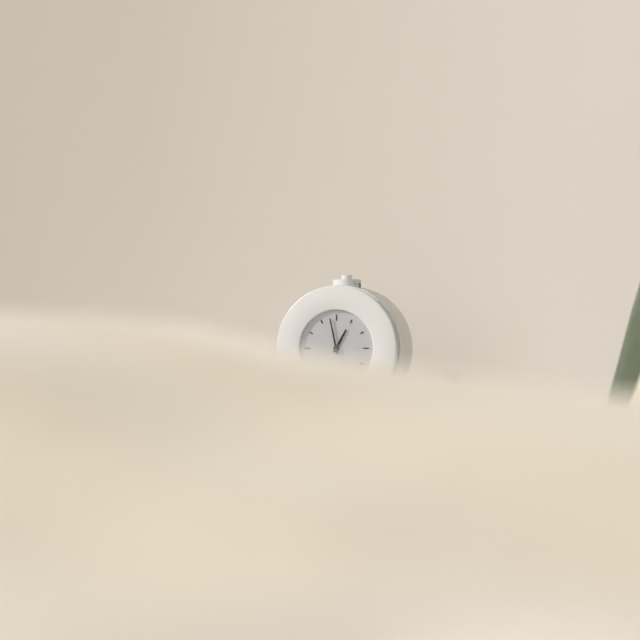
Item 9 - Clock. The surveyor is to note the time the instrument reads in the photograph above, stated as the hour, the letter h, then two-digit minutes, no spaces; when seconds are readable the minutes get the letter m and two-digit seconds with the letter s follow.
12h58
